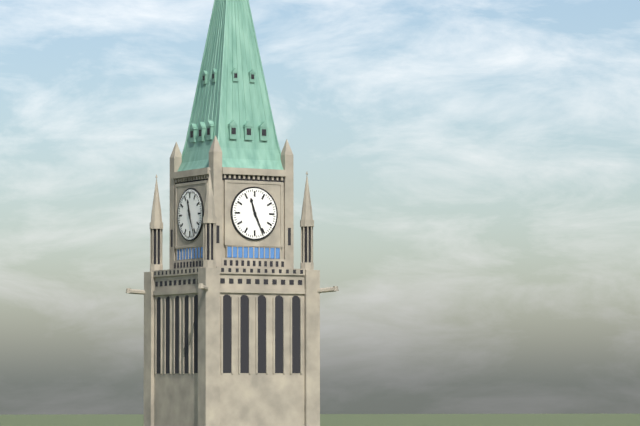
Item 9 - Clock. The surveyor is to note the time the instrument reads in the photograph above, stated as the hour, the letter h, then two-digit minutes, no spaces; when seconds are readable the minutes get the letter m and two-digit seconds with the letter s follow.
11h26
